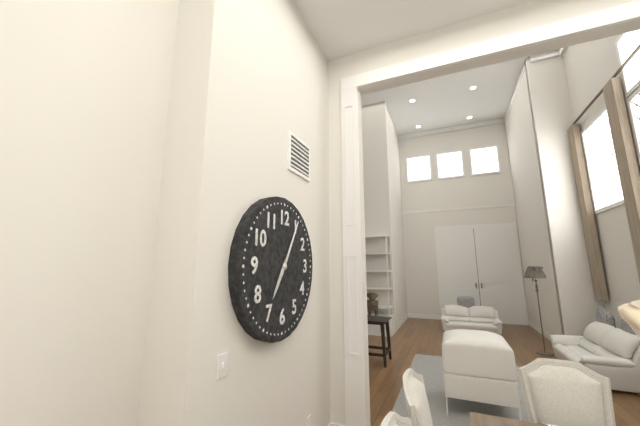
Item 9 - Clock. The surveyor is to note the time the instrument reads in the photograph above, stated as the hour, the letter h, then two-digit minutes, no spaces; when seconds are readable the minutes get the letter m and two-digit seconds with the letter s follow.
7h05
